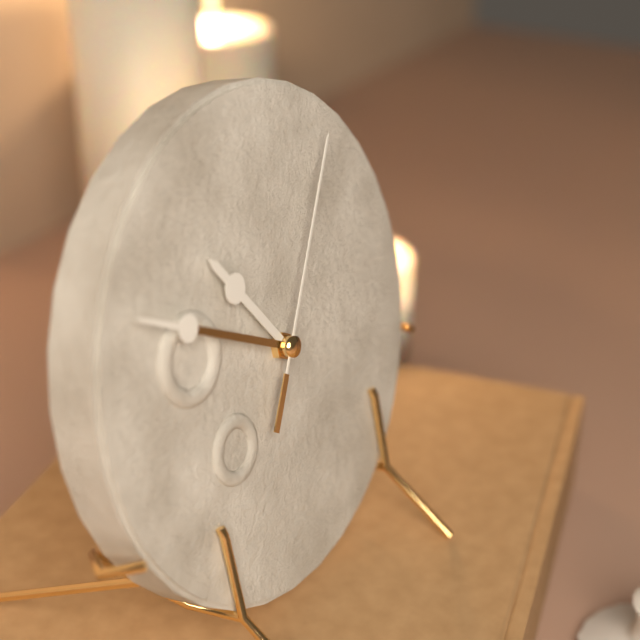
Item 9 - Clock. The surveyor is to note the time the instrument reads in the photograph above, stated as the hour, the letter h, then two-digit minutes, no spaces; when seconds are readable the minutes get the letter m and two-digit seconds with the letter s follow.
10h50m06s
